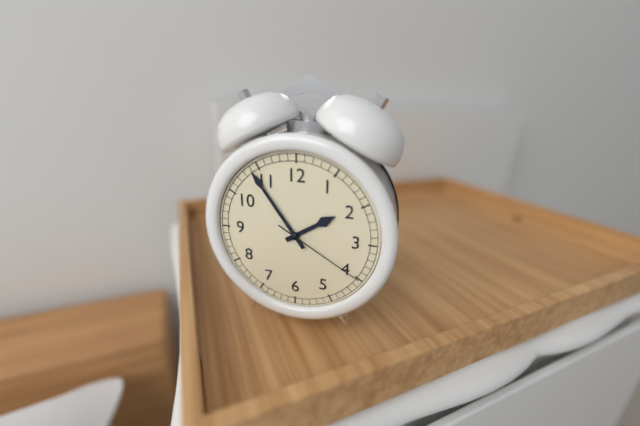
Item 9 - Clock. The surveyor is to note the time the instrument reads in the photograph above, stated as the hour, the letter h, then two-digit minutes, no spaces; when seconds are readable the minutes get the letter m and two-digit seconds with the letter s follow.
1h54m20s
